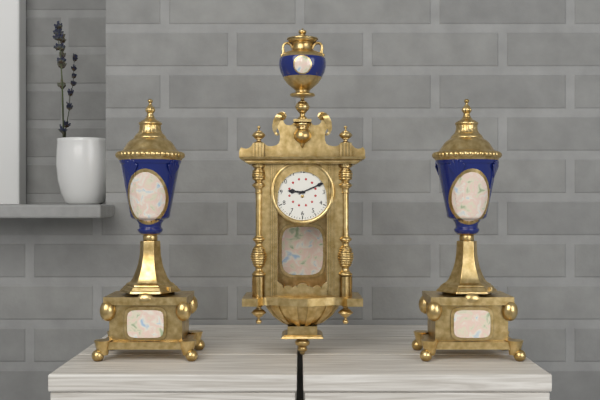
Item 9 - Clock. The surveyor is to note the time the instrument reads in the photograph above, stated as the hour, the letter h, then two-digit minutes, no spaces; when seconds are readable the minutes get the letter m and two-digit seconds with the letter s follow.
9h11
